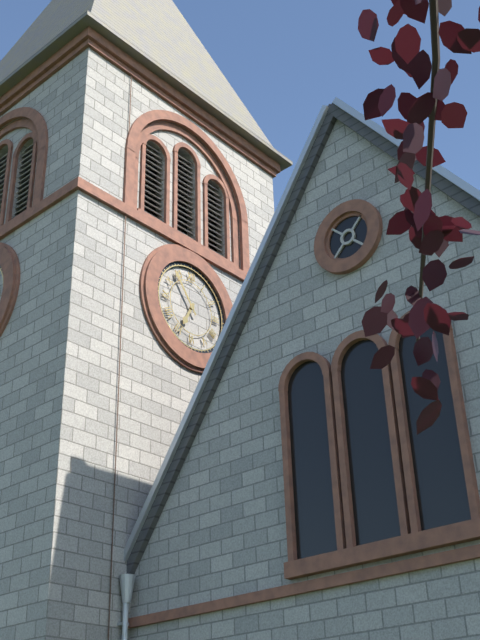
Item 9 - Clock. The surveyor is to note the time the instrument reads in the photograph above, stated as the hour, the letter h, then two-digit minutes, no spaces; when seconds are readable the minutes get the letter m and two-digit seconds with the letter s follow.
6h54
